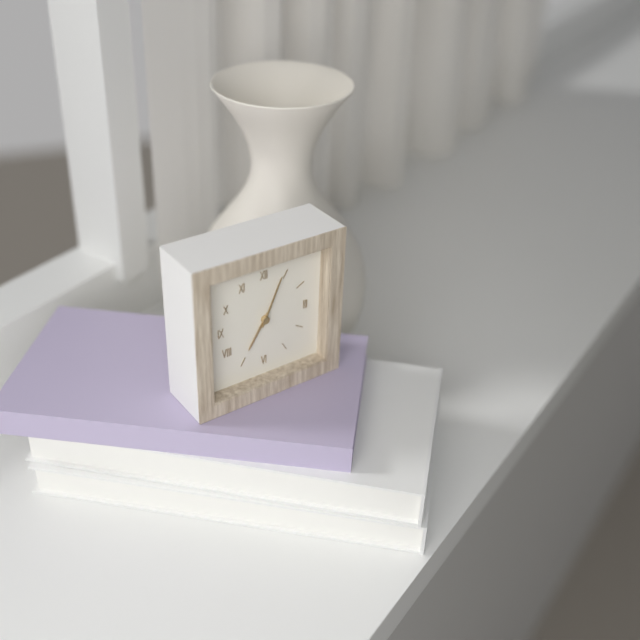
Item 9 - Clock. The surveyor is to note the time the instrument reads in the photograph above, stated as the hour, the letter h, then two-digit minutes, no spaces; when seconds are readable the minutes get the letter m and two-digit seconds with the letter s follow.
7h04
